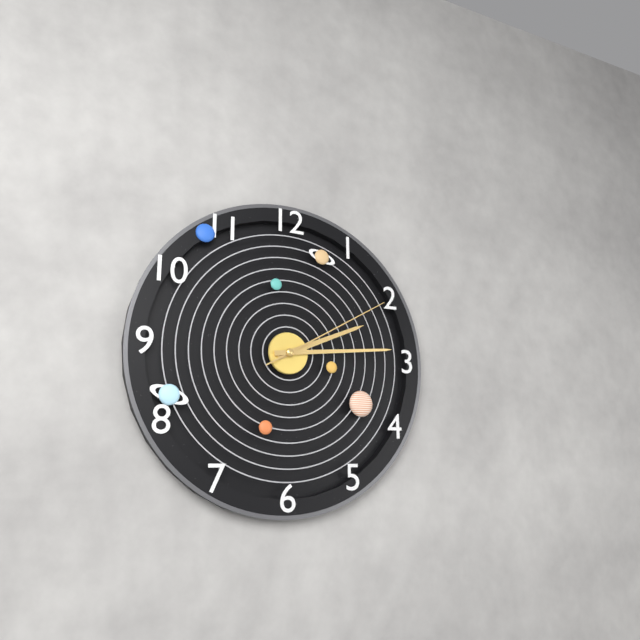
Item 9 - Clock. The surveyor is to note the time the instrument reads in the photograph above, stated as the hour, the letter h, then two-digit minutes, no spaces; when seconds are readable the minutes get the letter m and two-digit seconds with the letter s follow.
2h14m10s
